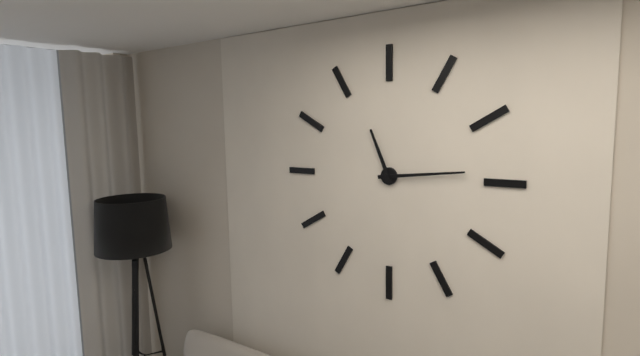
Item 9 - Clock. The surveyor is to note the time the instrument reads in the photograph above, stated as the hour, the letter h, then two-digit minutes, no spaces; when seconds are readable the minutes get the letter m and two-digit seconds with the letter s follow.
11h14
